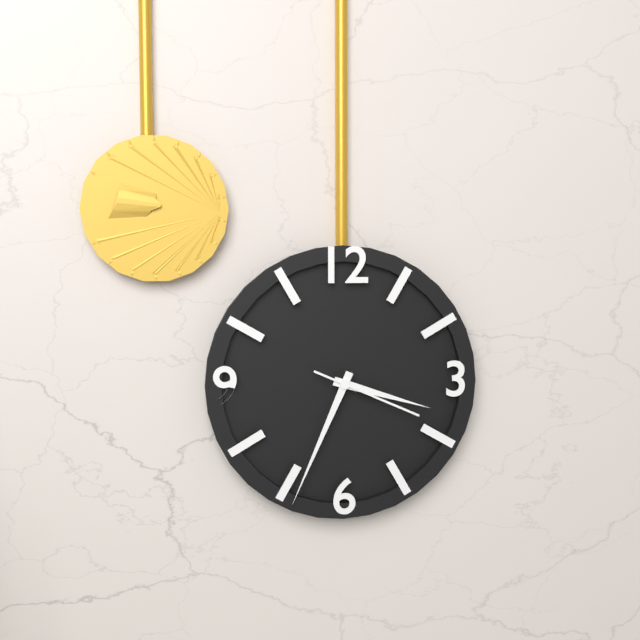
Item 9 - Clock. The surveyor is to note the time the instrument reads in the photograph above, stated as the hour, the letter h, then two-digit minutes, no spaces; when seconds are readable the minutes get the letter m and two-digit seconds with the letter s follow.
3h34m19s
